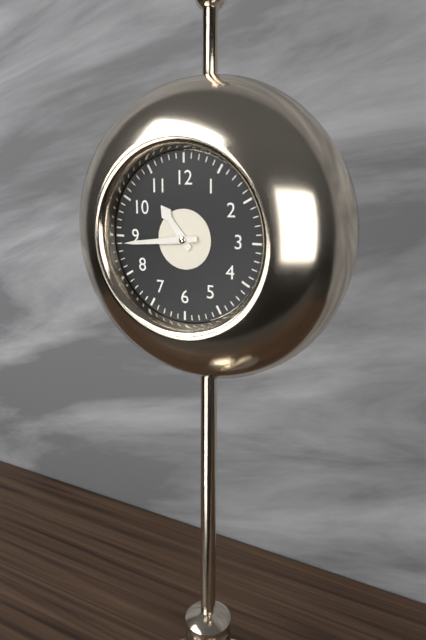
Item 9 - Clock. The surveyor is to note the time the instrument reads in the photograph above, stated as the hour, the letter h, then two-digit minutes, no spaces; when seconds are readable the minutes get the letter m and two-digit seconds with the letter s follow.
10h44
